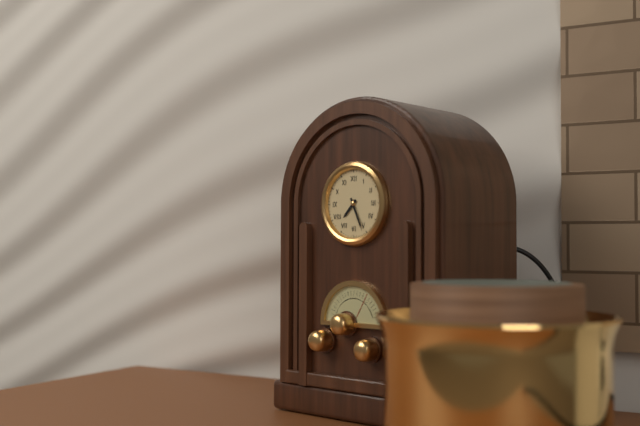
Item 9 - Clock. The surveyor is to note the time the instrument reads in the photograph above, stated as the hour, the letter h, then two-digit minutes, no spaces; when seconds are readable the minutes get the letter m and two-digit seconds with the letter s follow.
7h26
